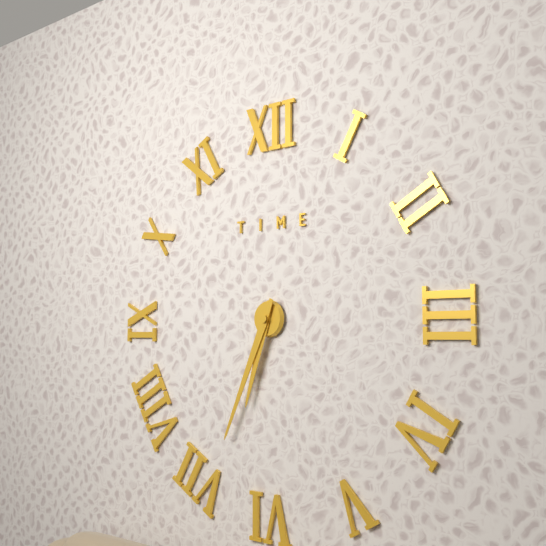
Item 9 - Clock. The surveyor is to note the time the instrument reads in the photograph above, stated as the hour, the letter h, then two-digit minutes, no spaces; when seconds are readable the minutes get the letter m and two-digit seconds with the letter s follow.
6h34
